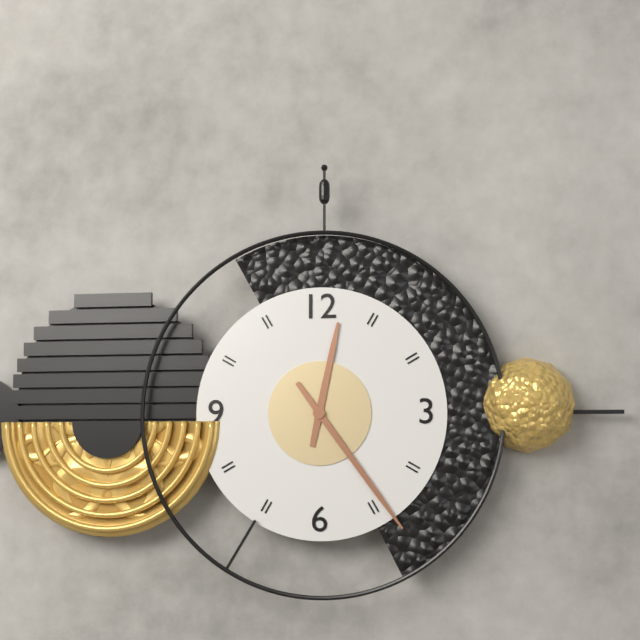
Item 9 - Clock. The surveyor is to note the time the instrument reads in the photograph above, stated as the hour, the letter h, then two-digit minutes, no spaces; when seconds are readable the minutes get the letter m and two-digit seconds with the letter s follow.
12h24
